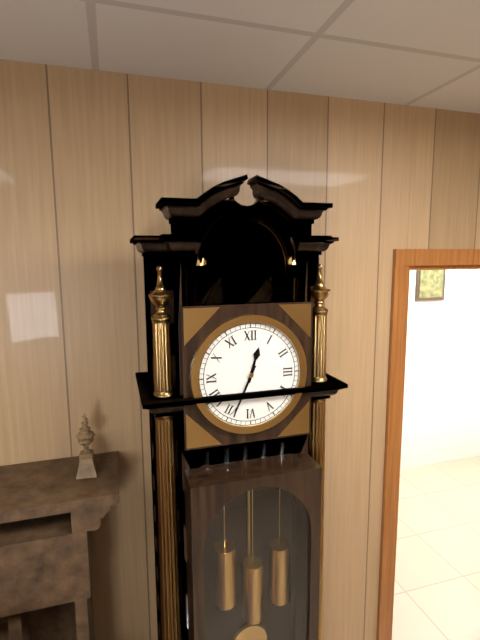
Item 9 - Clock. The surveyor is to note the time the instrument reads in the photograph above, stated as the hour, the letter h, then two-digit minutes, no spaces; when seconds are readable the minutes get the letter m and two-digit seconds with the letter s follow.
12h34
